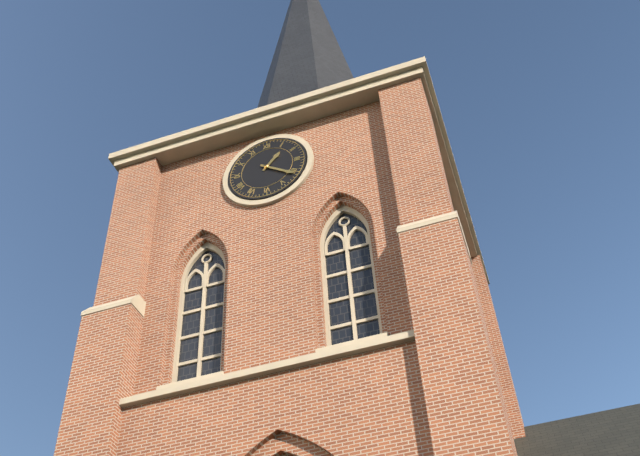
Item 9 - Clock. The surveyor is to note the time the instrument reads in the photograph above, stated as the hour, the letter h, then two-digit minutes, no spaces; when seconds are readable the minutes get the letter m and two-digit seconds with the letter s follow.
1h21
